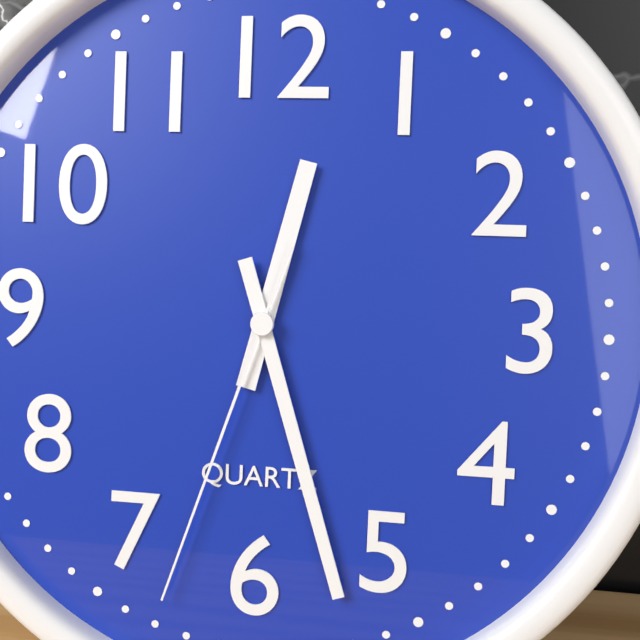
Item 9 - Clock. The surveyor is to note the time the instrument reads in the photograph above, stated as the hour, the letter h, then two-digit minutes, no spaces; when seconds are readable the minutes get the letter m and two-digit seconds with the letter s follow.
12h27m33s
